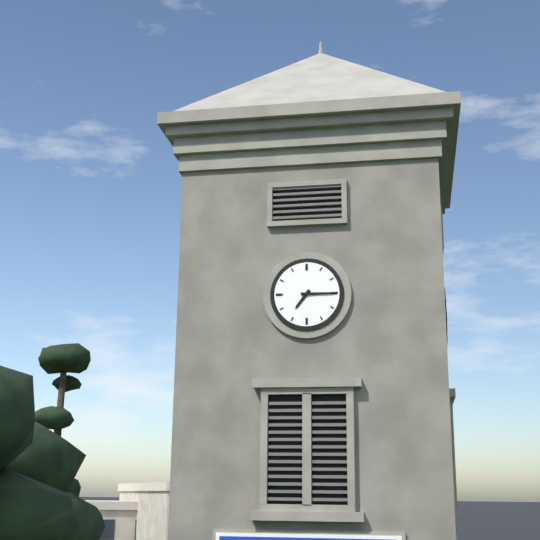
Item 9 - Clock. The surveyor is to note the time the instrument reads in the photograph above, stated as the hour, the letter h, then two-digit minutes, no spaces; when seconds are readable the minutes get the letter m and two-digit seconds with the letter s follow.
7h15
